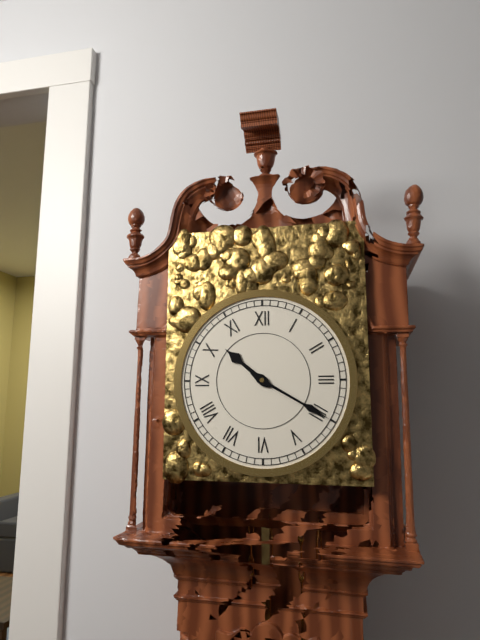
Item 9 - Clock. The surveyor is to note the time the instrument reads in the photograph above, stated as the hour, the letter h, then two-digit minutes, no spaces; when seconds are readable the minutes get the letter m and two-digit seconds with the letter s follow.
10h20
